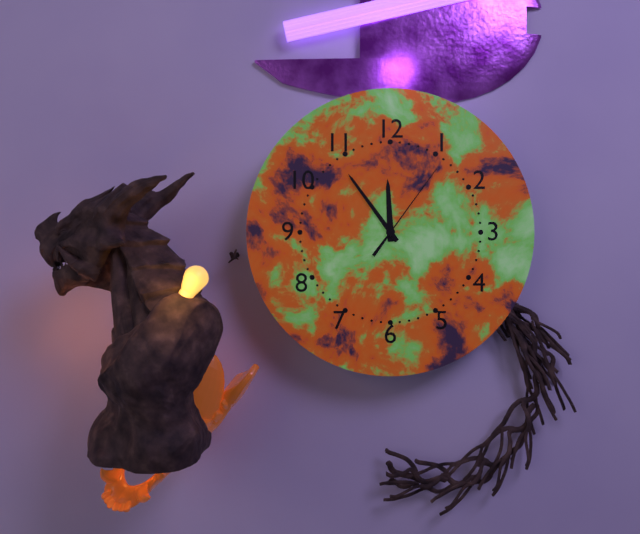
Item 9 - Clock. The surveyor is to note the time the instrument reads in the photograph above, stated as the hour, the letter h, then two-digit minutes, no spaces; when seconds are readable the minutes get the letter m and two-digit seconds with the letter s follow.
11h54m06s
